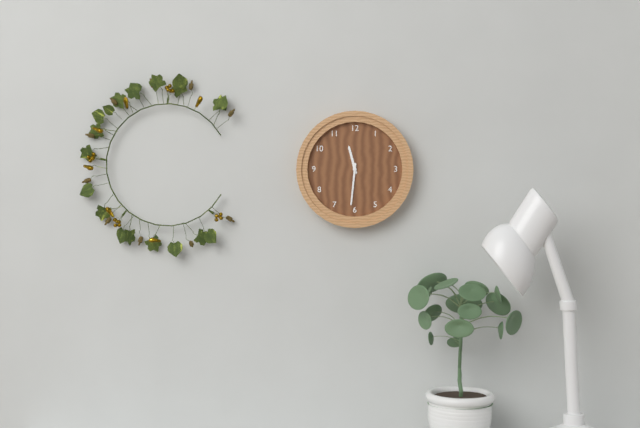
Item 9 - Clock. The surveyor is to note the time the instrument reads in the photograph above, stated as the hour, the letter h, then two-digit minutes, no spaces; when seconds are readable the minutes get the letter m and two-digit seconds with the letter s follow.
11h31
